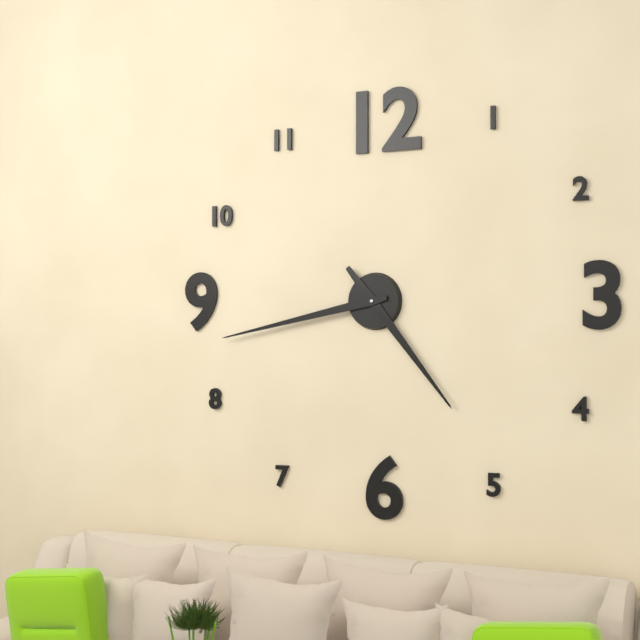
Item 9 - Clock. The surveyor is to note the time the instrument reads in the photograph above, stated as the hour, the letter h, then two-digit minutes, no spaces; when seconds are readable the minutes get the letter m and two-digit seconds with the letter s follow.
4h43
